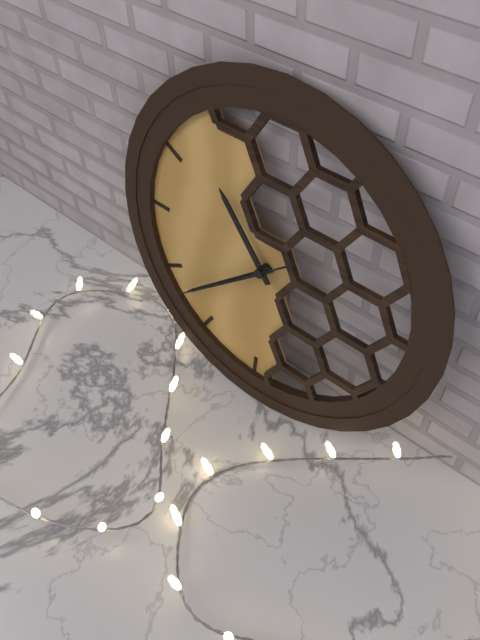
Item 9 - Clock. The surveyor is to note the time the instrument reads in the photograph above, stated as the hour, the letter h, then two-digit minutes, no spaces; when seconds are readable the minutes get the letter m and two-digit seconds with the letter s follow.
10h38m38s
